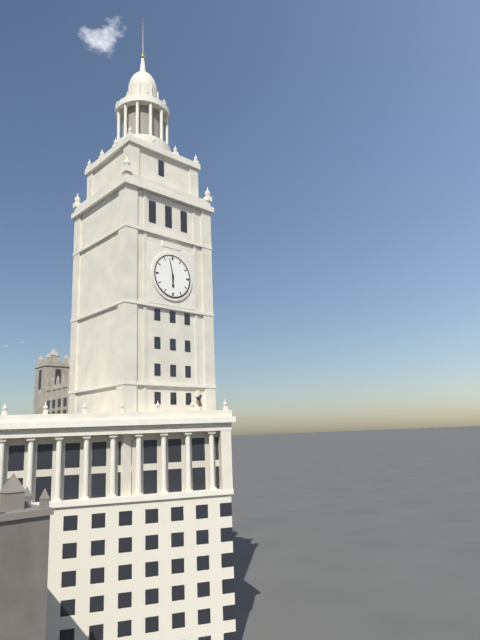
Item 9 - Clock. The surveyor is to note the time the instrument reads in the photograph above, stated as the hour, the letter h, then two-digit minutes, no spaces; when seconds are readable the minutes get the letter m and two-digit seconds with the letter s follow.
5h58
